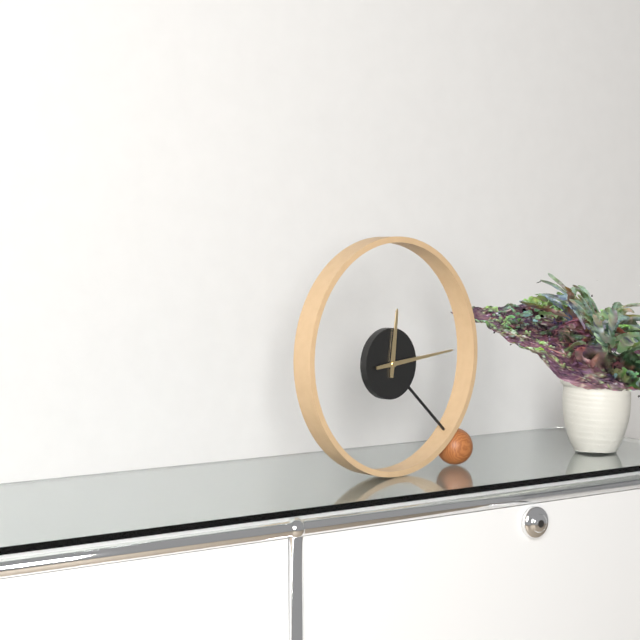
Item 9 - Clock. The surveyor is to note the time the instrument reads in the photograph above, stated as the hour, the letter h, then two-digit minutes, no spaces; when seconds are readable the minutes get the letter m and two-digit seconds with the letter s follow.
12h14
